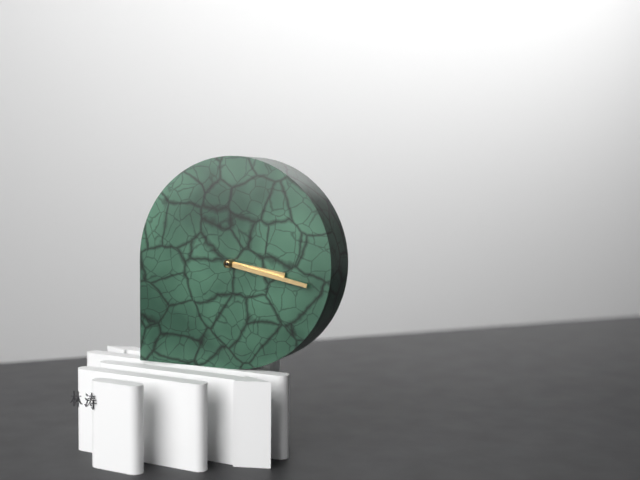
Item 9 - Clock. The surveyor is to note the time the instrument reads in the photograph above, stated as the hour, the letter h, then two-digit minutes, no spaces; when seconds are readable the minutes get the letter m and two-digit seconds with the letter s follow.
3h17
